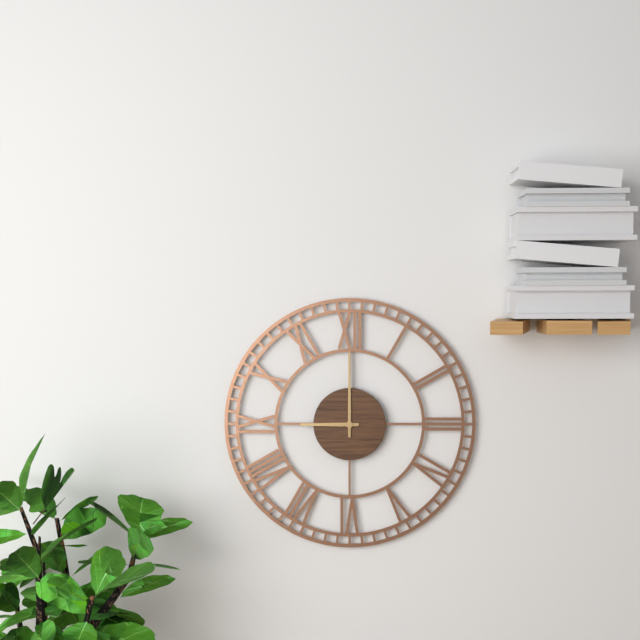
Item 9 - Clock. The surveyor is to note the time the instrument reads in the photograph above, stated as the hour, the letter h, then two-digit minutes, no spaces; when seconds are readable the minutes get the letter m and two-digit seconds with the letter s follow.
9h00
